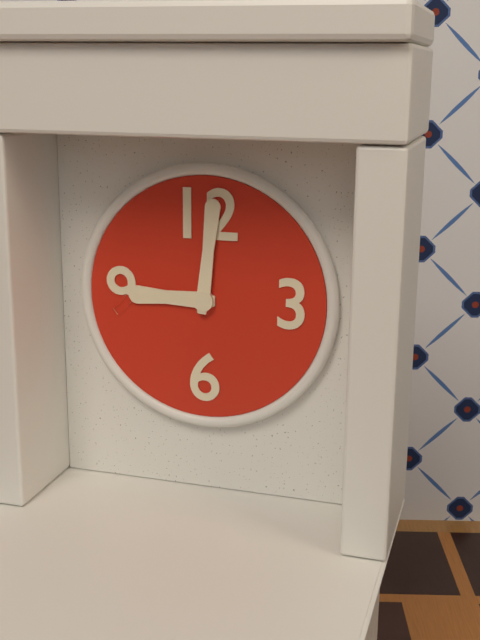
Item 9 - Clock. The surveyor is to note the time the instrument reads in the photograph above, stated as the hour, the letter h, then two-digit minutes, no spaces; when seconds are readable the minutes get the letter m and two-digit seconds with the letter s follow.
9h01
